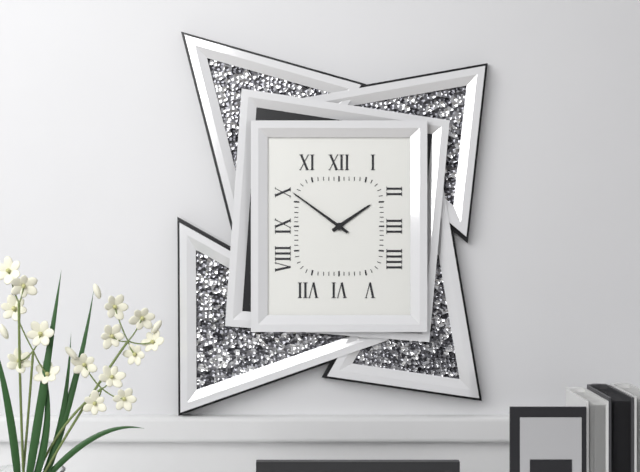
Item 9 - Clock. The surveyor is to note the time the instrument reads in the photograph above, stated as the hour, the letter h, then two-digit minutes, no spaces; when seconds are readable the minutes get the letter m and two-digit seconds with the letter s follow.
1h51
